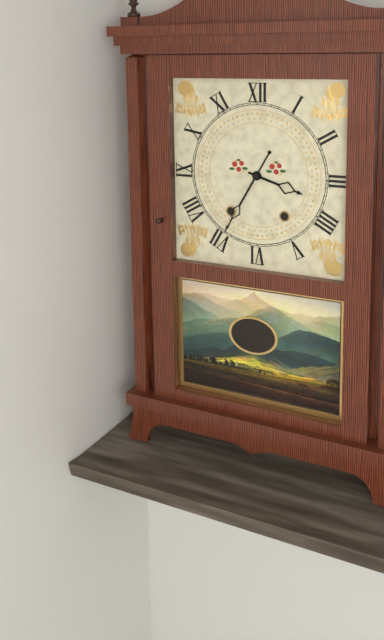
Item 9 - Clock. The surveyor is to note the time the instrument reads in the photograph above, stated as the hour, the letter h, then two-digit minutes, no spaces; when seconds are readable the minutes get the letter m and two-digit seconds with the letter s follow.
3h35
